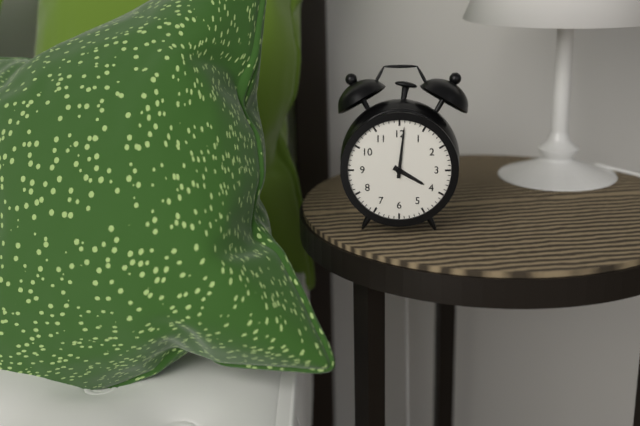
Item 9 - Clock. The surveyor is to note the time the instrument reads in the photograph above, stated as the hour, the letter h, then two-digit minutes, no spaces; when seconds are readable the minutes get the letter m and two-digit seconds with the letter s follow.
4h01
